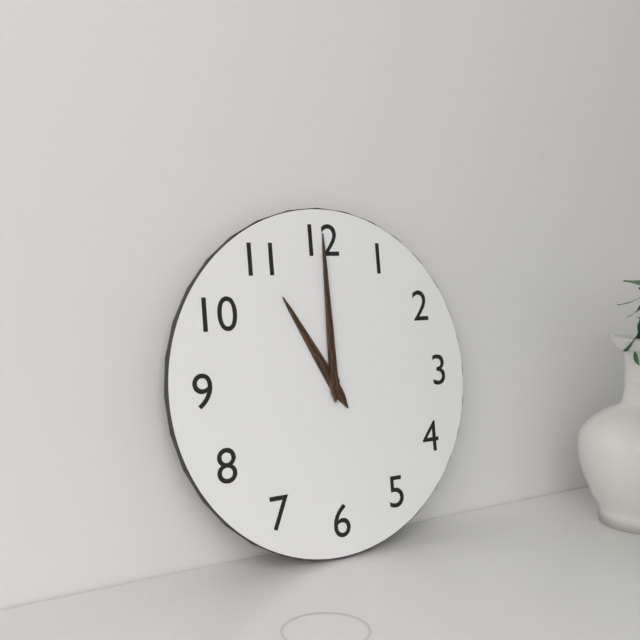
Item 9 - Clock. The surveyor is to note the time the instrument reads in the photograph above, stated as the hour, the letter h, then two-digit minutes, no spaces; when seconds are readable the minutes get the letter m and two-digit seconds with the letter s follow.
11h00
